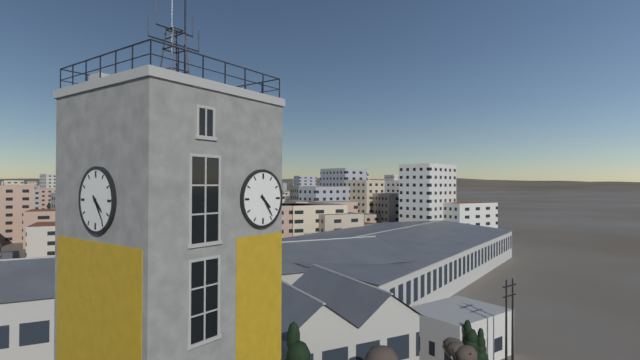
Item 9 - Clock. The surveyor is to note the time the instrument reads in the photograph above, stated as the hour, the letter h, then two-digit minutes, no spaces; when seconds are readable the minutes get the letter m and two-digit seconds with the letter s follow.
4h24
